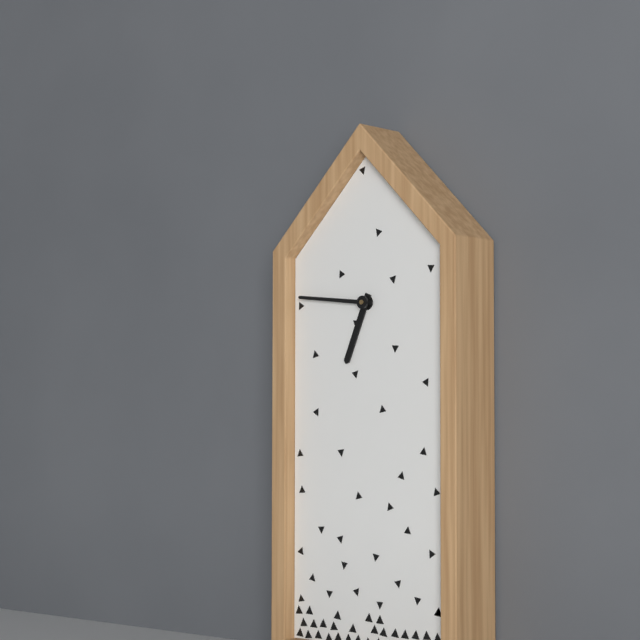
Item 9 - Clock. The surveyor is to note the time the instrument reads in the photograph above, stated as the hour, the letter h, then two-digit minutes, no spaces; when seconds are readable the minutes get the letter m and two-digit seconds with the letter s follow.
6h46
